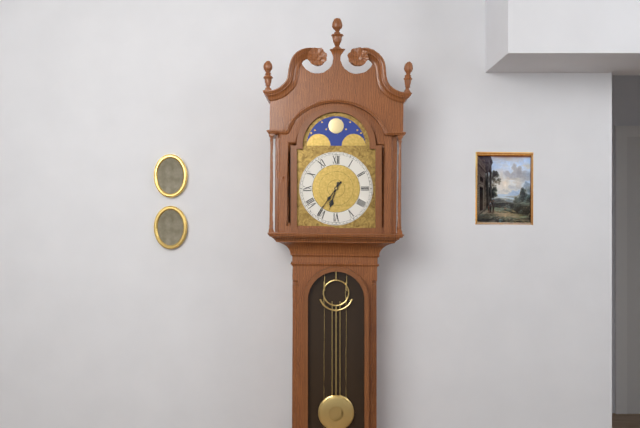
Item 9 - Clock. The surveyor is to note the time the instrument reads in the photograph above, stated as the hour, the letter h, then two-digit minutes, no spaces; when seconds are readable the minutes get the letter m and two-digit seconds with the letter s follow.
6h36
